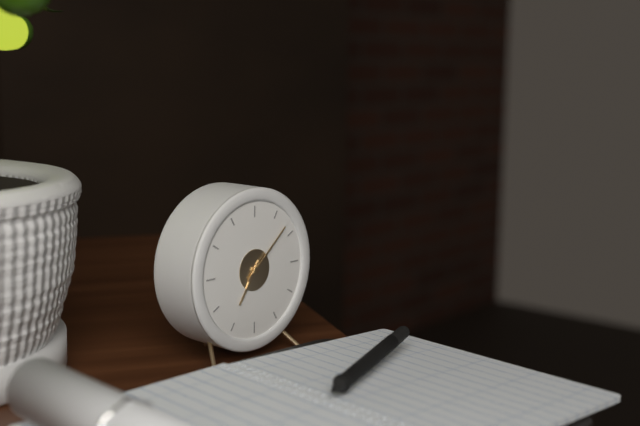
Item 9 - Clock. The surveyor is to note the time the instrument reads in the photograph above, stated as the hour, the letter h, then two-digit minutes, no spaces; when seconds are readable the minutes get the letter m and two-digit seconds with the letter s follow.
7h08
